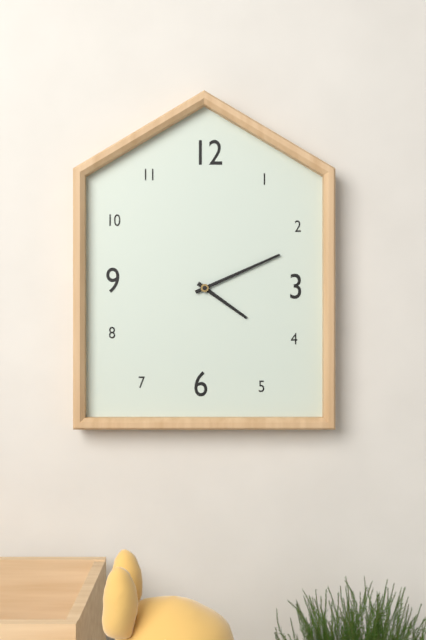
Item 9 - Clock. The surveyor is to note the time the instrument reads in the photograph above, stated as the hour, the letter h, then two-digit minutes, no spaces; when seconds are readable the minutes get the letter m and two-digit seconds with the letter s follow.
4h11
